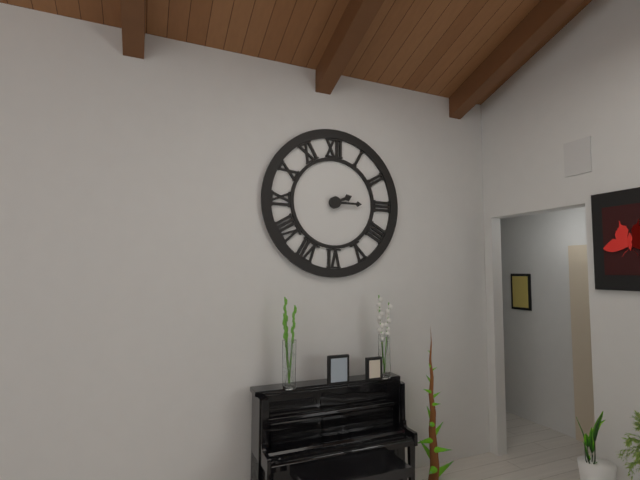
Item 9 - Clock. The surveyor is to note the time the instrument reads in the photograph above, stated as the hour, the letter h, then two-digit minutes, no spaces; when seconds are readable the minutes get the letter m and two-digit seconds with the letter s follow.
2h15
